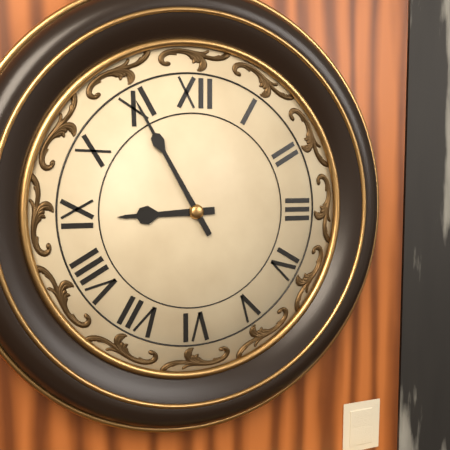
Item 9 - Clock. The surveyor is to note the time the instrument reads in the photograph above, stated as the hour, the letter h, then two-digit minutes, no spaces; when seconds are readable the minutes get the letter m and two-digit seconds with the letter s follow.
8h55
